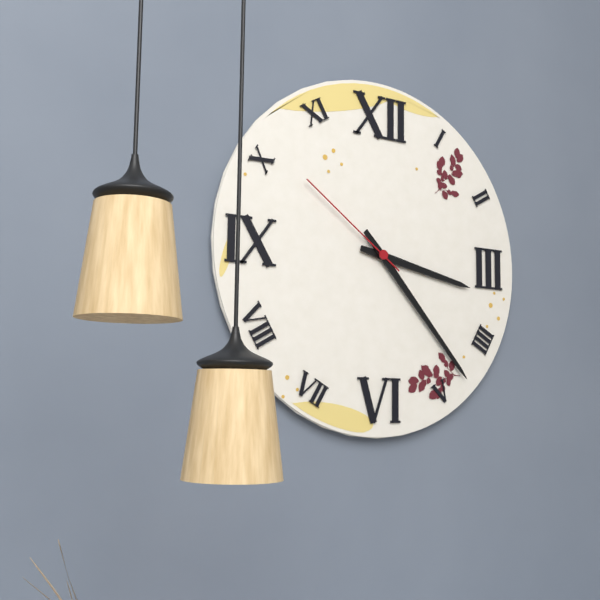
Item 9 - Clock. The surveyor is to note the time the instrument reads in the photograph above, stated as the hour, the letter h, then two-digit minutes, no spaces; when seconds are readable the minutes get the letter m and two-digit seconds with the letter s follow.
3h23m51s
